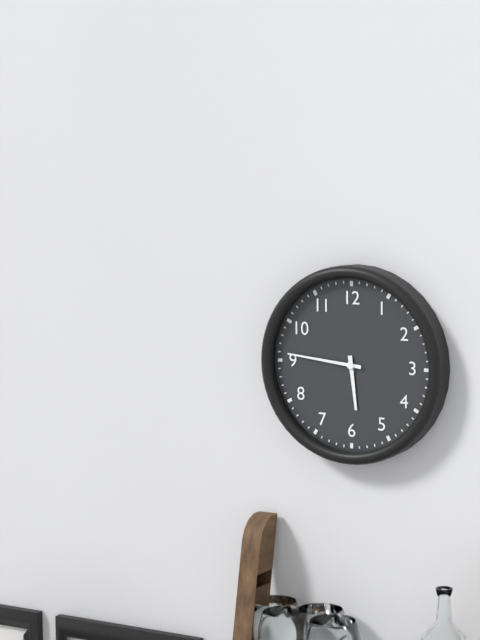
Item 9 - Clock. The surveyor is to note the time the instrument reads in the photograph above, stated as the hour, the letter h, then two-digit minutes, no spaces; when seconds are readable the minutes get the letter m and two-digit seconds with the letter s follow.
5h46
